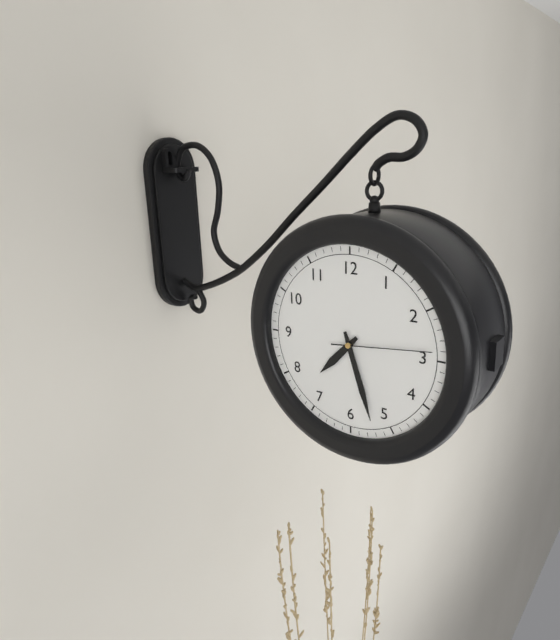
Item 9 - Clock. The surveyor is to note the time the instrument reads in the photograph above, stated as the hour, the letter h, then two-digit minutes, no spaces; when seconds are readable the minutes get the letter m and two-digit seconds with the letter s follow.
7h27m14s
